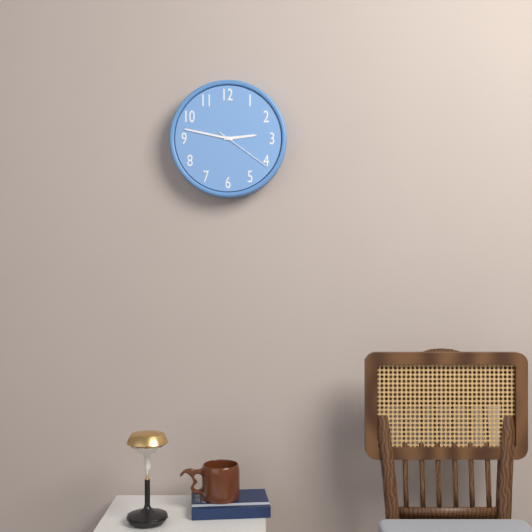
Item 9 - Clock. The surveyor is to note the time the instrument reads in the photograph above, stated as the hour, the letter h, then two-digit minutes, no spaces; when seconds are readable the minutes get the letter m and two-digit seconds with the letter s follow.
2h47m21s
